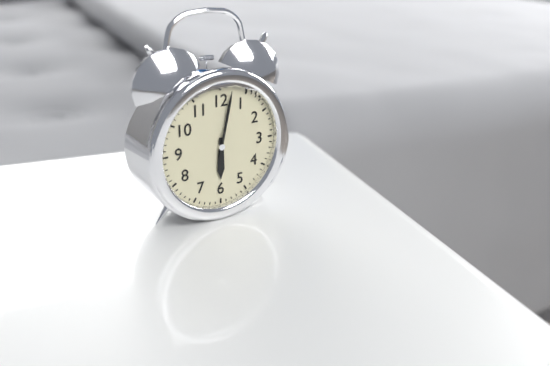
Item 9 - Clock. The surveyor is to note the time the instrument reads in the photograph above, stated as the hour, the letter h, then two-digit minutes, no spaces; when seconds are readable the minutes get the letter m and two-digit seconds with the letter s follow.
6h02
